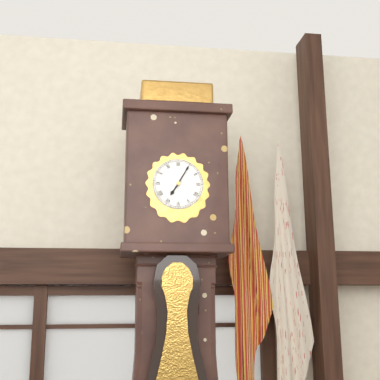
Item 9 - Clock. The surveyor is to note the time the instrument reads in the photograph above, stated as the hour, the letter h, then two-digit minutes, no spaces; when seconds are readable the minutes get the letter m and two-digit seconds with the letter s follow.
7h05
